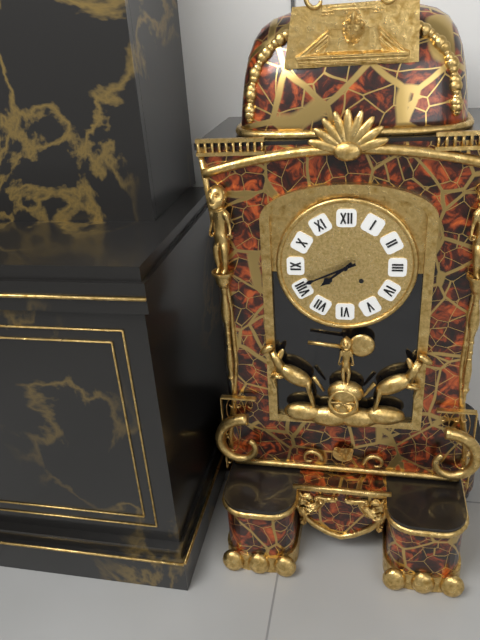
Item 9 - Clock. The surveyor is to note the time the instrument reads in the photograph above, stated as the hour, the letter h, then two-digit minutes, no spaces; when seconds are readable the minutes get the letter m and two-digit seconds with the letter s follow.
7h41
